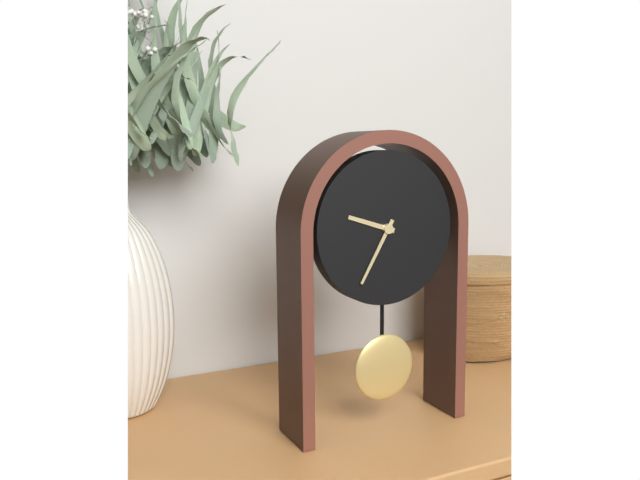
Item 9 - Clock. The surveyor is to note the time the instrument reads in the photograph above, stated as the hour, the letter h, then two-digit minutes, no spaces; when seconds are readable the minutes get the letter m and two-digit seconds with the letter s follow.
9h35
